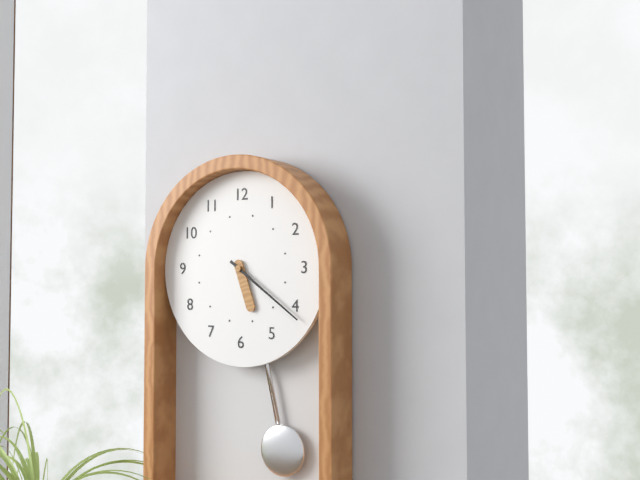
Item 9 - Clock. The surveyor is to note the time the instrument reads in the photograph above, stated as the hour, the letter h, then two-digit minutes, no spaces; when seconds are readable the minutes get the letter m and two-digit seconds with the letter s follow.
5h21
